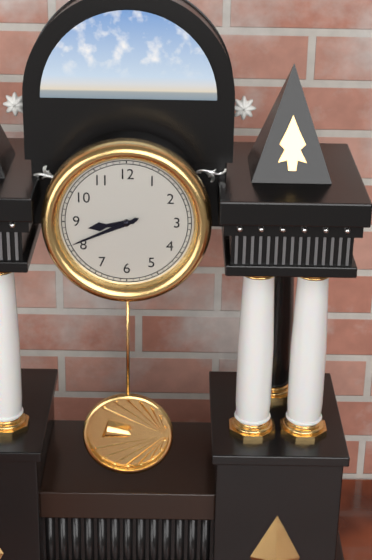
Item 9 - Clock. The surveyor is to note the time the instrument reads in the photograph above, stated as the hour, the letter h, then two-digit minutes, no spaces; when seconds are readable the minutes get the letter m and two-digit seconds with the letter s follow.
8h41
